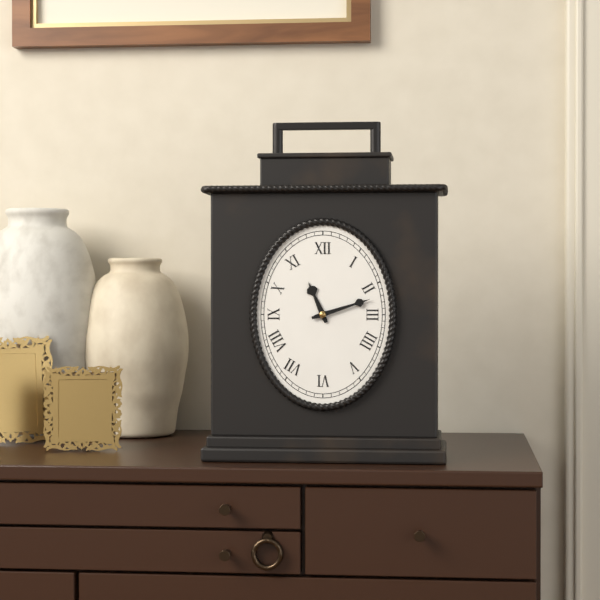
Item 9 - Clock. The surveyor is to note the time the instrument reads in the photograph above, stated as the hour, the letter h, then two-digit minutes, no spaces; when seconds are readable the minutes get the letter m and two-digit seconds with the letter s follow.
11h12
